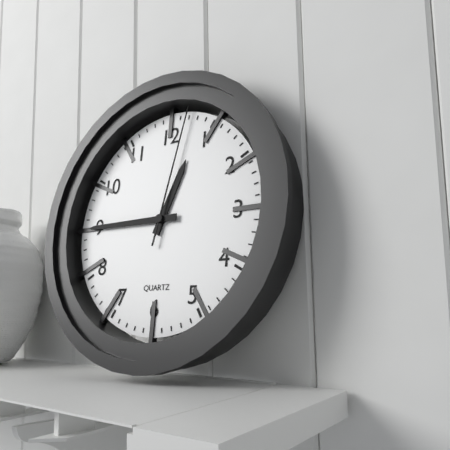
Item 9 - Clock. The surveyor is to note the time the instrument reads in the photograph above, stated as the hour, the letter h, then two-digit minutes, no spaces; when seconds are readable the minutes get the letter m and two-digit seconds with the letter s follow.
12h45m02s
